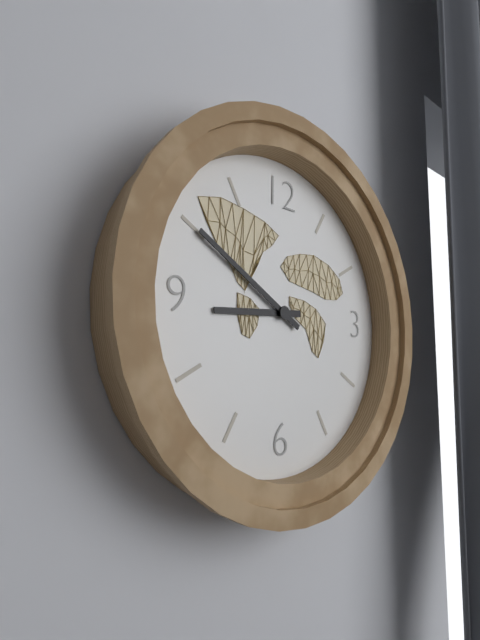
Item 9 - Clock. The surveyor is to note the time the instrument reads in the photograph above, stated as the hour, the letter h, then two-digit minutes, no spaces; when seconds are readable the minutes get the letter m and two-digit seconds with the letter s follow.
8h50
